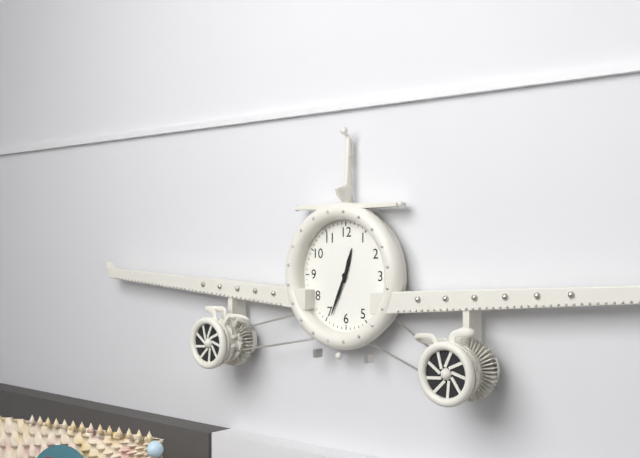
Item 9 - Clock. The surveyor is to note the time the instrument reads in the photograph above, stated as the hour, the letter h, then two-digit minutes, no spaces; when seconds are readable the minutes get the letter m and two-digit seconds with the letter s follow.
12h34
